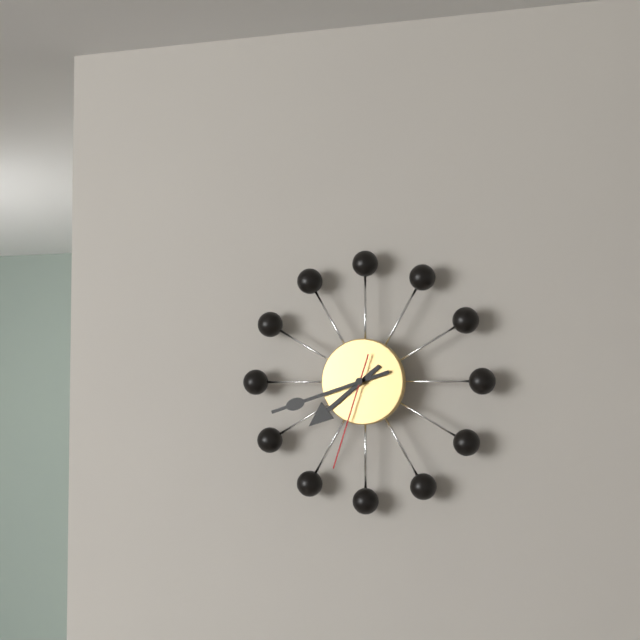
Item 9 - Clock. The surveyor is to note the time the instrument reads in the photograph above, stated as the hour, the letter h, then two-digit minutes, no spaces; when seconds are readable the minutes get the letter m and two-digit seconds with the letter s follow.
7h42m33s
